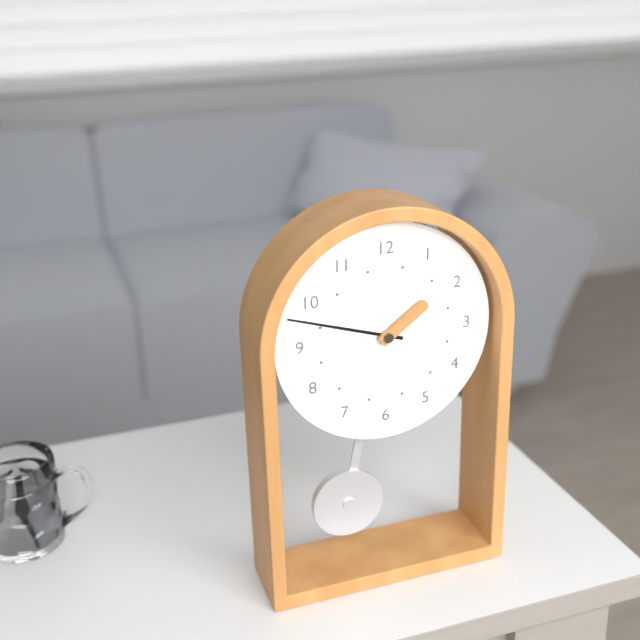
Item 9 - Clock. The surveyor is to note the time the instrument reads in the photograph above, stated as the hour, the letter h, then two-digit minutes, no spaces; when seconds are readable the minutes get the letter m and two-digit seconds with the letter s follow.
1h48
